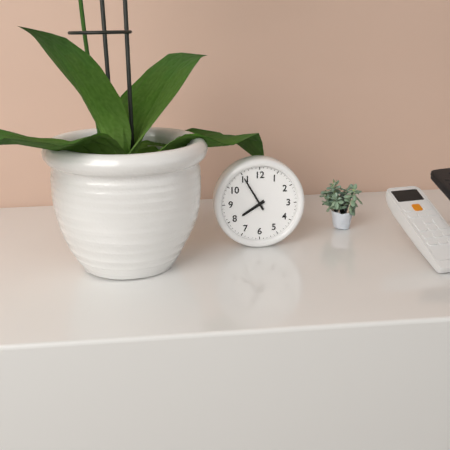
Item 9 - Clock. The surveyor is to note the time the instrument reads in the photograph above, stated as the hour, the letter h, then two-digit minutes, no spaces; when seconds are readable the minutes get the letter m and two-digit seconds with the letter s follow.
7h55
